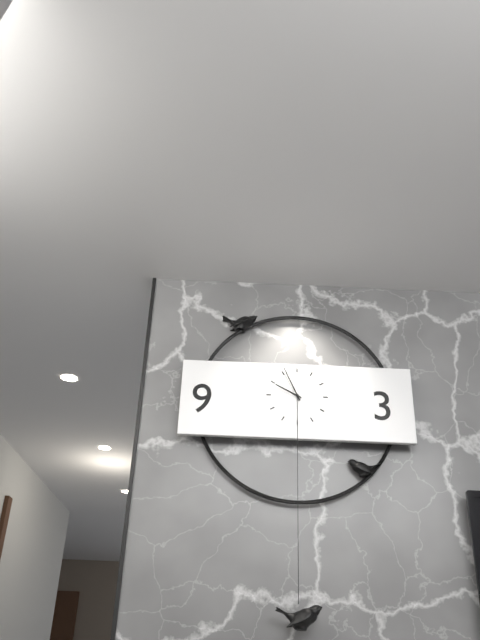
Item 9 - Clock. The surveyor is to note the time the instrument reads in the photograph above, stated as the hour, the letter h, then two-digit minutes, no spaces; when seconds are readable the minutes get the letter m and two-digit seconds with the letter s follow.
9h56
